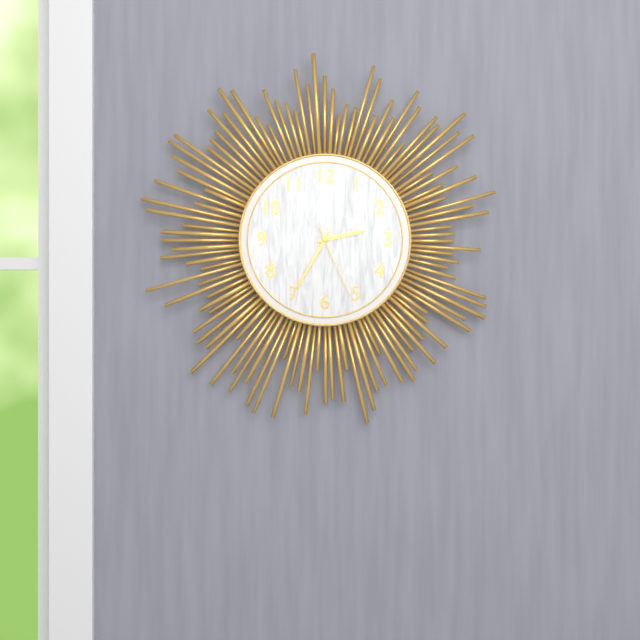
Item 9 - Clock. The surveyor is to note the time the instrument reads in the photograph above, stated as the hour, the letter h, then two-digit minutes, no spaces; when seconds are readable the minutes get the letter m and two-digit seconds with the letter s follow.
2h35m26s
